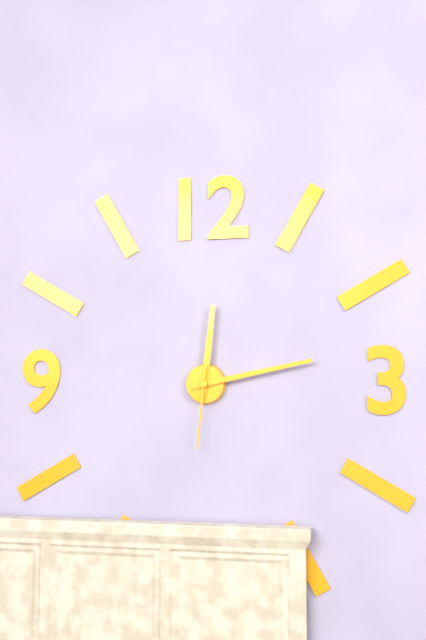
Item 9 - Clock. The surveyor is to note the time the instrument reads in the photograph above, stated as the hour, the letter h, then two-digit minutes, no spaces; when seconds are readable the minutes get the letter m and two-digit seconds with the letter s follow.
12h13m31s
